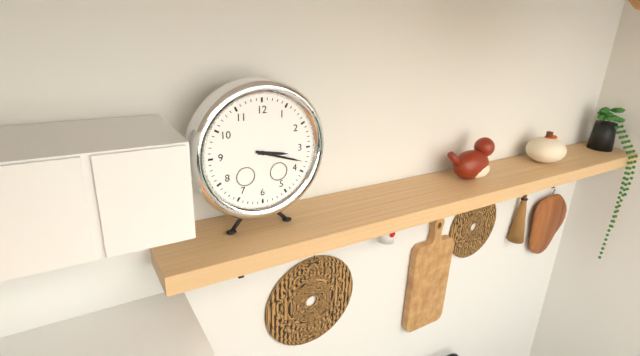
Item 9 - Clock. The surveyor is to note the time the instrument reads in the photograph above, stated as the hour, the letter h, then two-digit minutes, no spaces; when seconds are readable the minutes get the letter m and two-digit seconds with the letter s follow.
3h18
